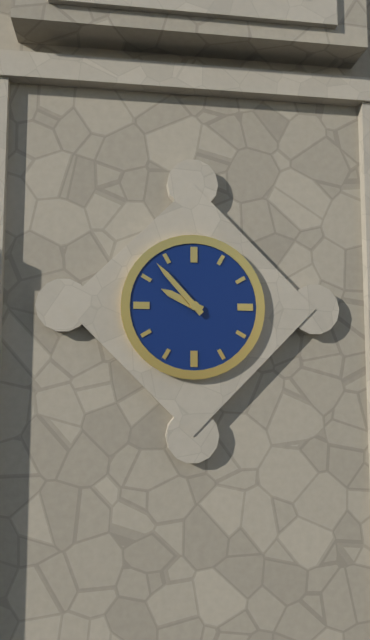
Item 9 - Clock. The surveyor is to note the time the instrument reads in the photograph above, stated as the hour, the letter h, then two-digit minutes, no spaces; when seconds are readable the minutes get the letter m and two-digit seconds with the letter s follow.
9h53
